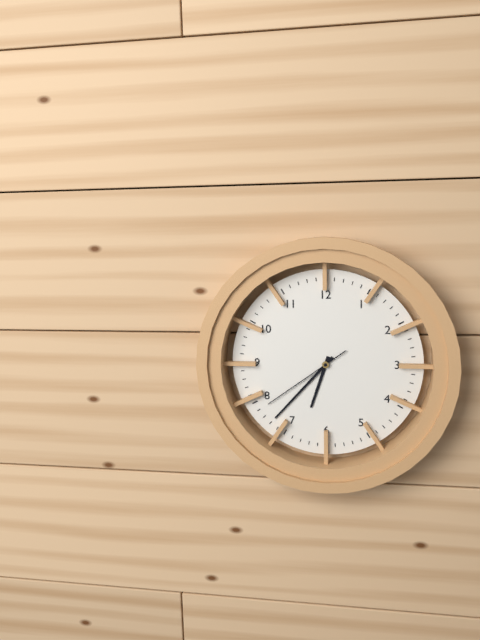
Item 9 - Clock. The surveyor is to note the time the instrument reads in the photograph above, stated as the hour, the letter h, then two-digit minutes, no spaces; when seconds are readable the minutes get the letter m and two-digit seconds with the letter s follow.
6h37m39s
